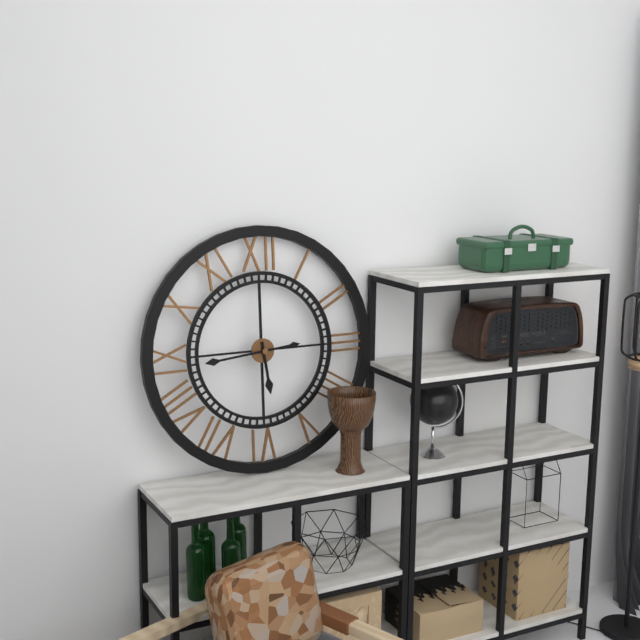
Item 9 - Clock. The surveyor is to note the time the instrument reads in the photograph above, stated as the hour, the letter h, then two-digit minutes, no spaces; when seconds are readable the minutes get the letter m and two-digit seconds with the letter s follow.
5h44
